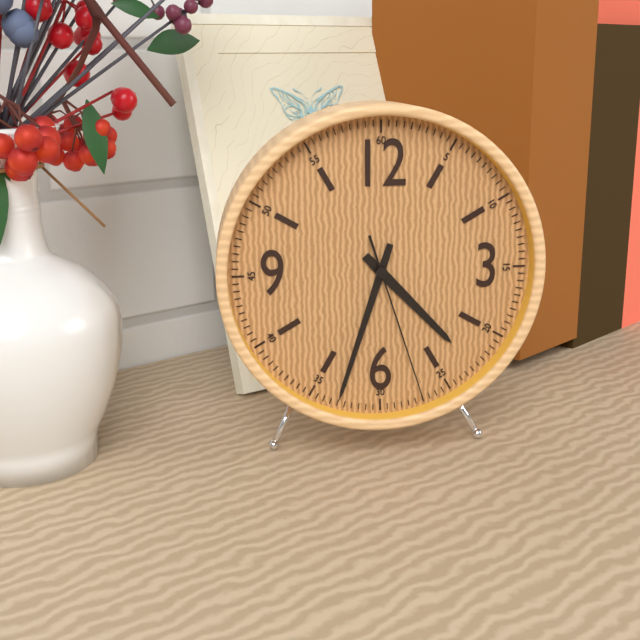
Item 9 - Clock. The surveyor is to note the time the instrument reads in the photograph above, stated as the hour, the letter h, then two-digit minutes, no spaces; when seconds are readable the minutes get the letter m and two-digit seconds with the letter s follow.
4h33m27s
